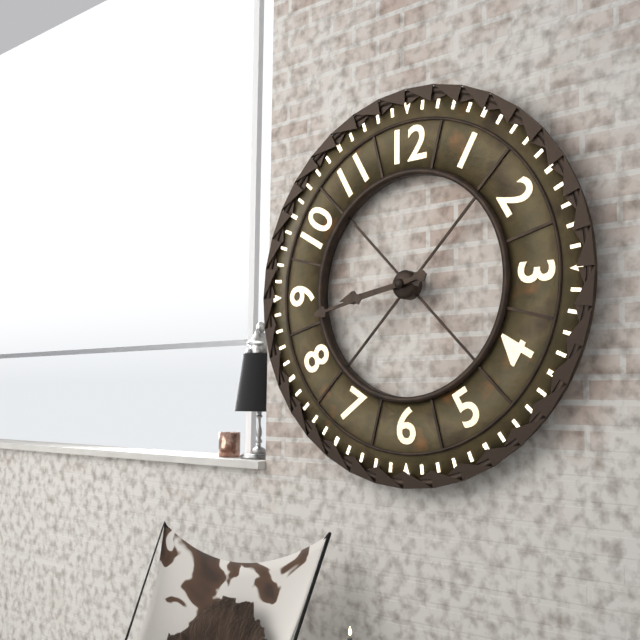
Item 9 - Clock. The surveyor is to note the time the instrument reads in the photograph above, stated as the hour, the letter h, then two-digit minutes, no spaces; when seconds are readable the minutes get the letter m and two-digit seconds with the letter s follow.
8h43
